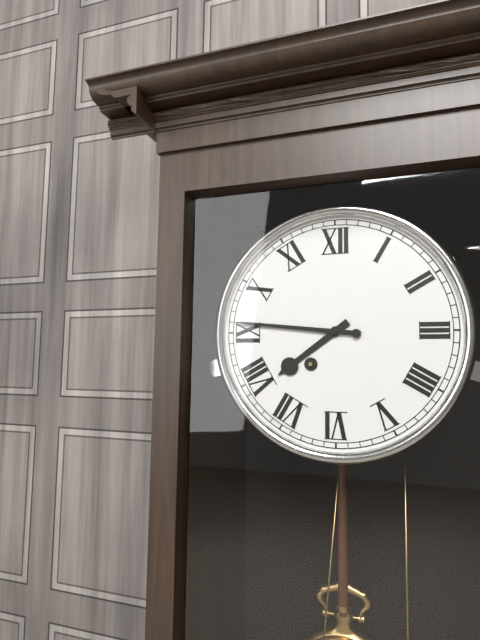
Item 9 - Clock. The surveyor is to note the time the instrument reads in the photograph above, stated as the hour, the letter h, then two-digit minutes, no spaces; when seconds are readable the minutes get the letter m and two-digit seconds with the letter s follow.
7h46
